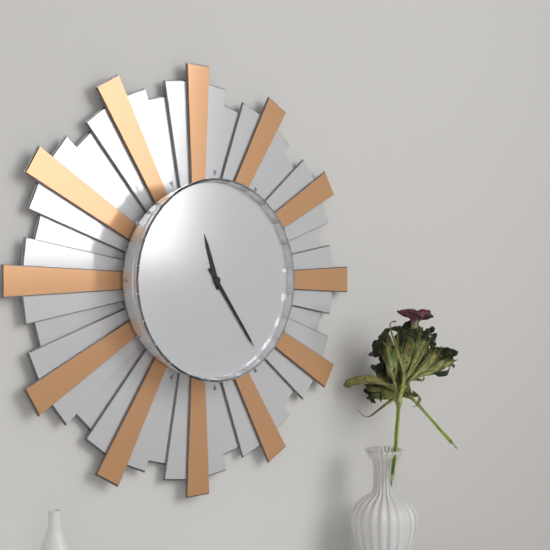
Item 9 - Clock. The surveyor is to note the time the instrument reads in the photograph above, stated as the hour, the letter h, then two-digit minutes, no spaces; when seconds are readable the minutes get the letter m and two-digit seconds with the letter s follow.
11h24
